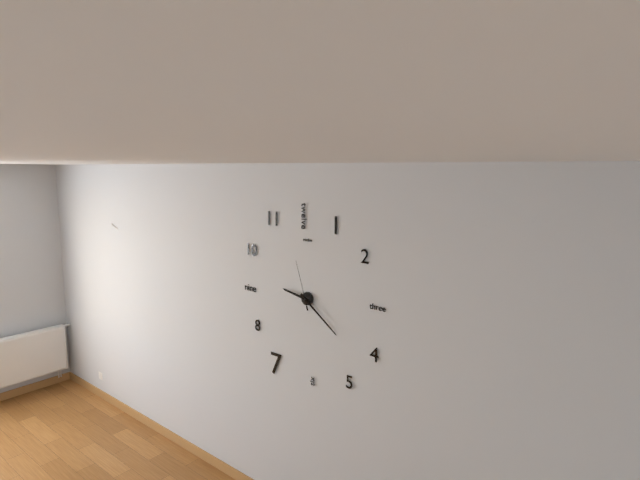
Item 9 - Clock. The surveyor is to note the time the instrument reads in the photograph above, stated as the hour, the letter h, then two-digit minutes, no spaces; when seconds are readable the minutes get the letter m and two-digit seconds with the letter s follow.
9h21
